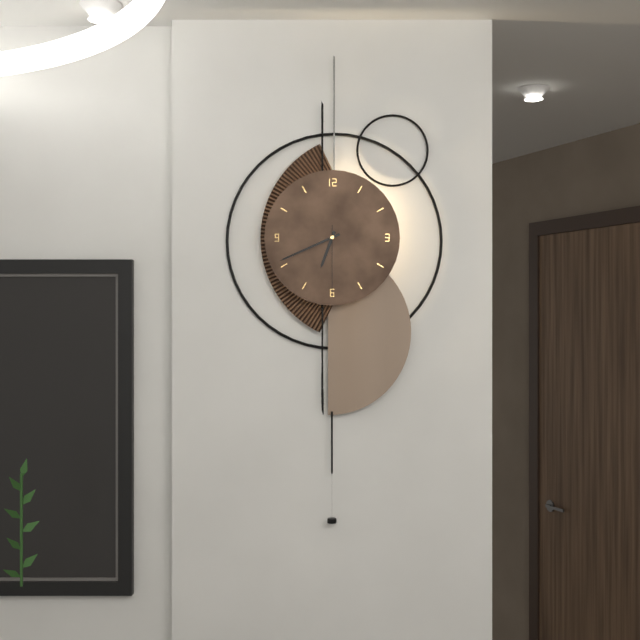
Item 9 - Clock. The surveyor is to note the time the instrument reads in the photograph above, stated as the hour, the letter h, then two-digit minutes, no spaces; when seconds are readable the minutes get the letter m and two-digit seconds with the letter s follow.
6h41m30s
